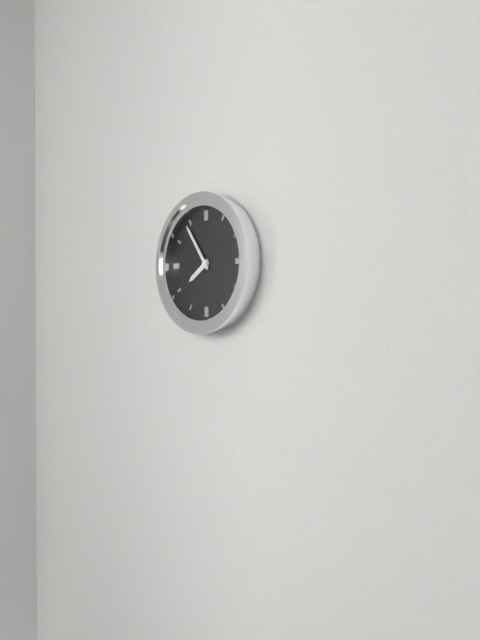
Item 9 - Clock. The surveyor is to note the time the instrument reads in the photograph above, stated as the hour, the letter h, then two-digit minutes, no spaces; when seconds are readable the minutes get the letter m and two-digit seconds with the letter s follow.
7h54
